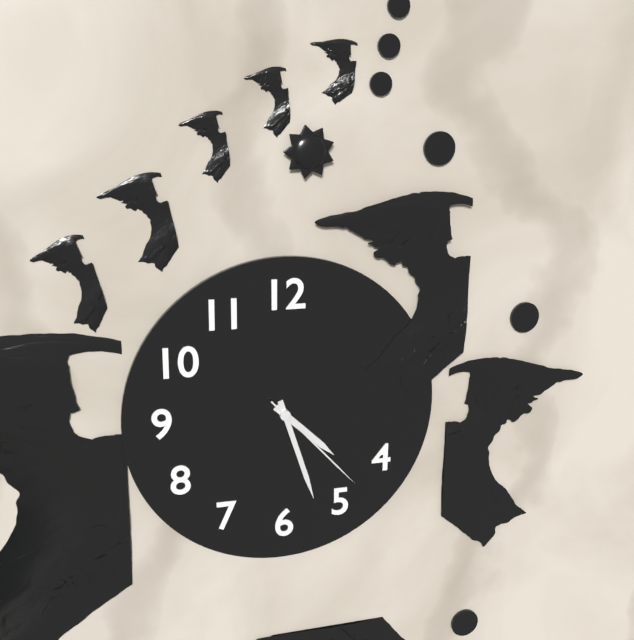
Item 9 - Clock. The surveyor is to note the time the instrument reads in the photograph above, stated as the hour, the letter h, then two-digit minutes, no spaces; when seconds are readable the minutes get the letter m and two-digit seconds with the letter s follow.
4h27m23s
